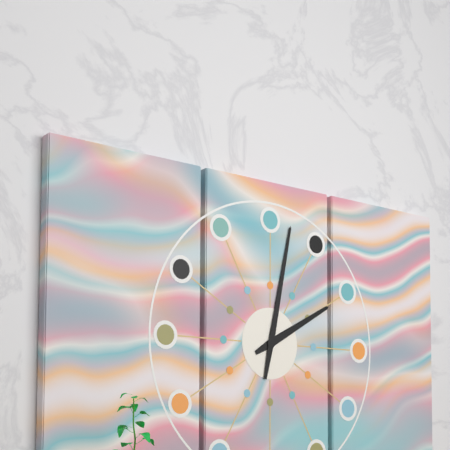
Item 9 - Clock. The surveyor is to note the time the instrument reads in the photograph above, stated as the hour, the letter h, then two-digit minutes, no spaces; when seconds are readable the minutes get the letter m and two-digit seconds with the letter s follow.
2h02
